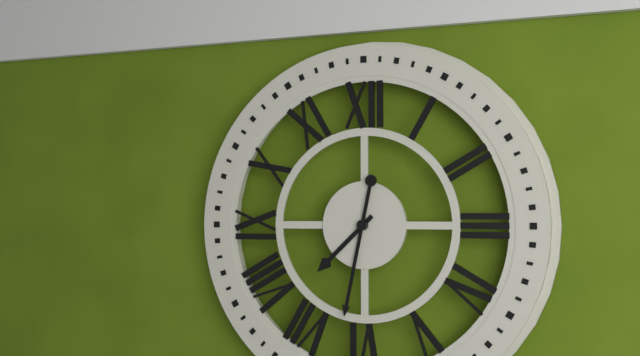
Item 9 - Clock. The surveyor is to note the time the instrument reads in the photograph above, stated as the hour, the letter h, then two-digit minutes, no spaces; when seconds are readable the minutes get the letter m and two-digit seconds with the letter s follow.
7h32
